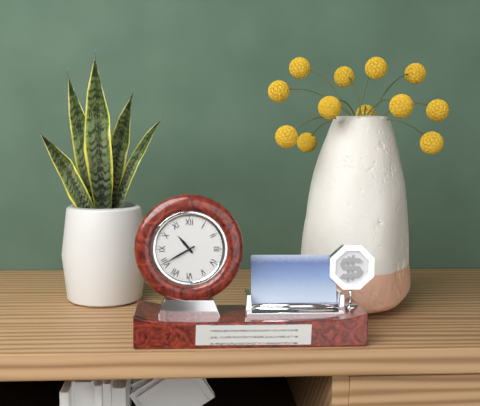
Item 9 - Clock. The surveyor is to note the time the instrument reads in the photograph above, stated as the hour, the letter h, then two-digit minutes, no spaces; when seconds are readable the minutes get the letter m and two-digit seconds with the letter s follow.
10h40
